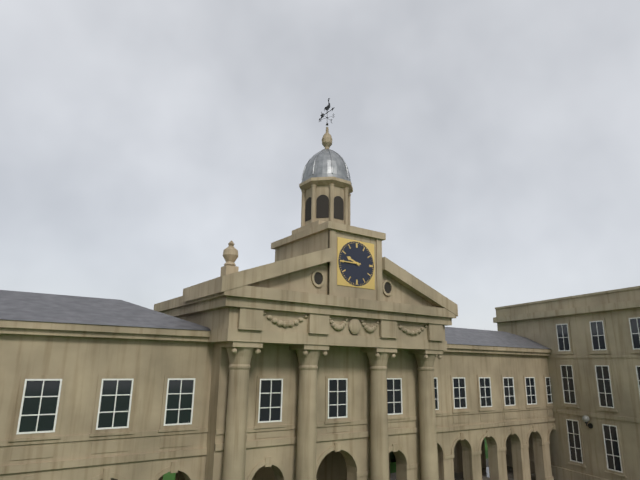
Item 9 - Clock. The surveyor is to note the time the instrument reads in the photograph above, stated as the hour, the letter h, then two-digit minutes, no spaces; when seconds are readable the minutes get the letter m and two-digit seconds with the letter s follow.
9h45
